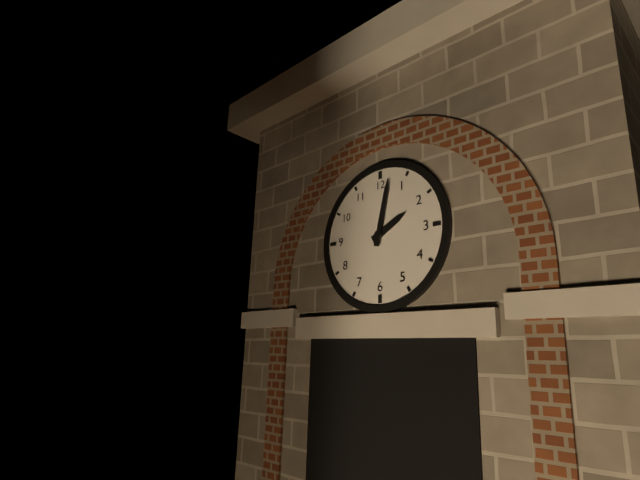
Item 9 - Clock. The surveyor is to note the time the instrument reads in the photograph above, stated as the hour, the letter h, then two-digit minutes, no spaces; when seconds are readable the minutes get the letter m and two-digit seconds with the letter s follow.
2h02
